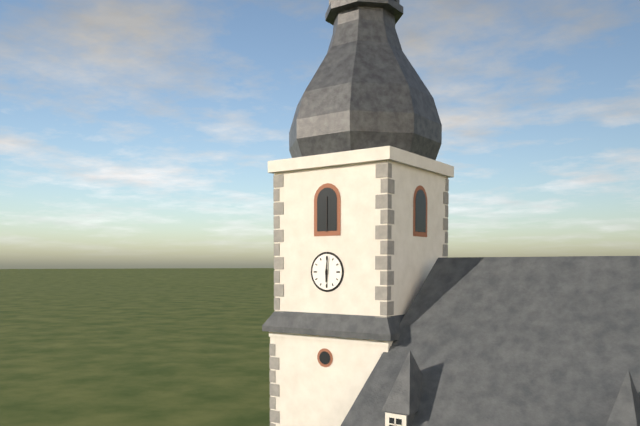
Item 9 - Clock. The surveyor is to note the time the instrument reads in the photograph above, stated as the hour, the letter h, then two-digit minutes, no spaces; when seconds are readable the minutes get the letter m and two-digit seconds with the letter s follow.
6h01
